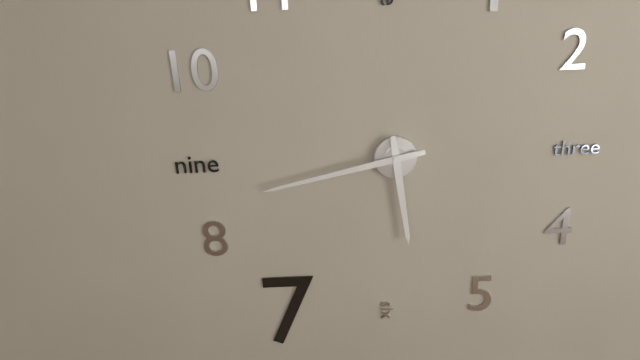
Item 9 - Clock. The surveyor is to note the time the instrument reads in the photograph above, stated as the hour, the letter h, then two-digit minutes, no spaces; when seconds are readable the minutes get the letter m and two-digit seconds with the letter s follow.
5h43
